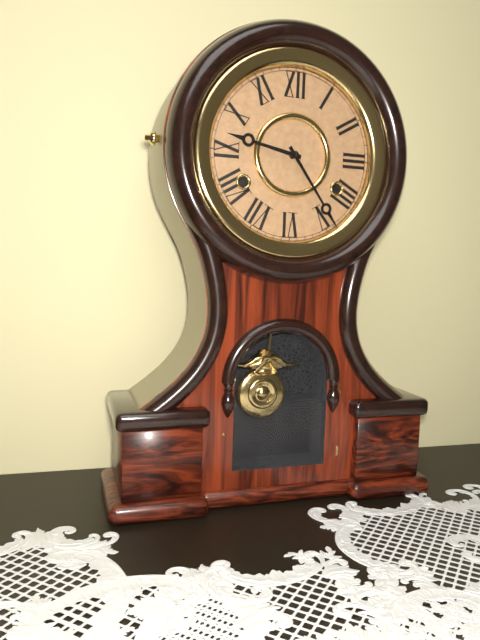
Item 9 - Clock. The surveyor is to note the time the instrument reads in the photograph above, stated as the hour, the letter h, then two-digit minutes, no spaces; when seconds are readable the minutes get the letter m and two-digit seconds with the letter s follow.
9h24
